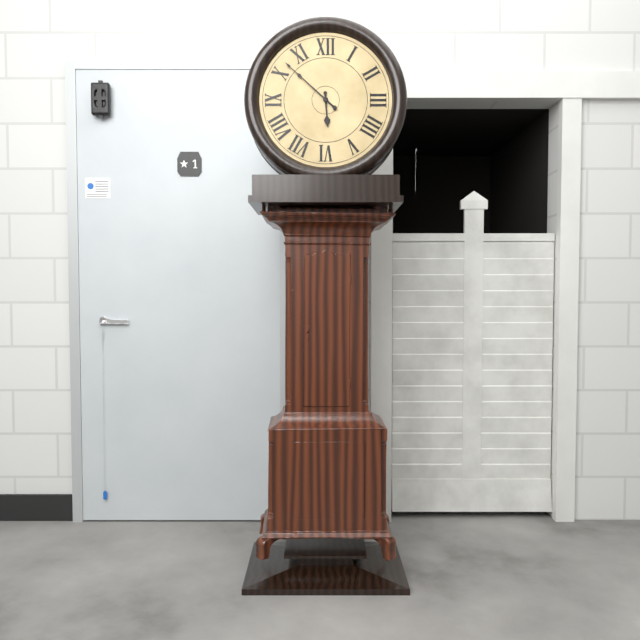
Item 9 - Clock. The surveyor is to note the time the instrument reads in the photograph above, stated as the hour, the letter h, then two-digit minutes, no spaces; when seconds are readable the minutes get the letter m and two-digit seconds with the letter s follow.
5h52
